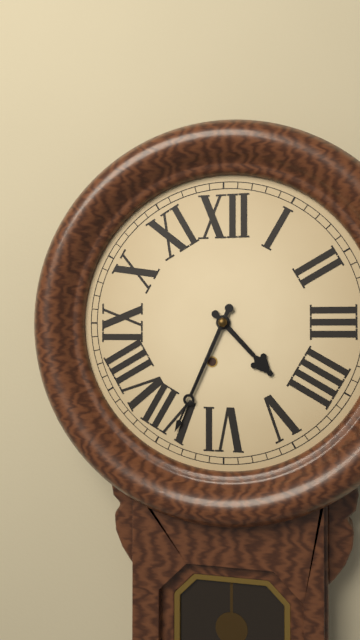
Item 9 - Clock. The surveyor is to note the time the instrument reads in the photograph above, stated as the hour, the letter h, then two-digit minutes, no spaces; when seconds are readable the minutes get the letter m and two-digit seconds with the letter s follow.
4h34
